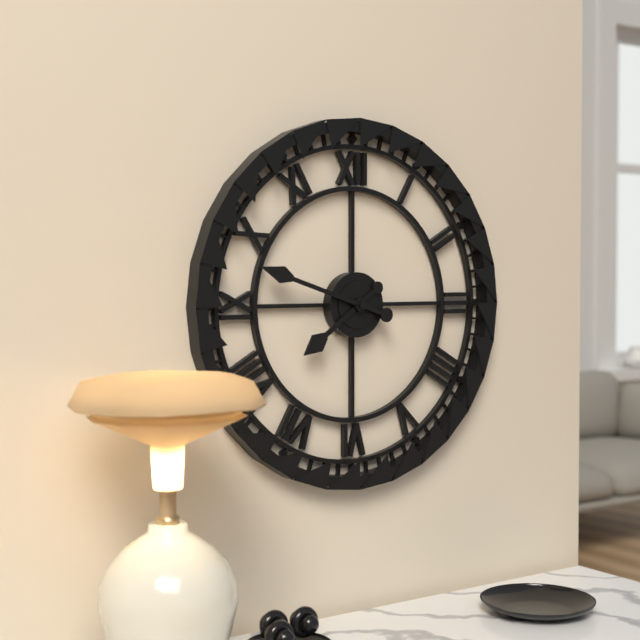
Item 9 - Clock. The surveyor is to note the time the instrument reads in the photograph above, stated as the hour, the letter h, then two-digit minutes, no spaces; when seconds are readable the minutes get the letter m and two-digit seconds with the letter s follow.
7h48
